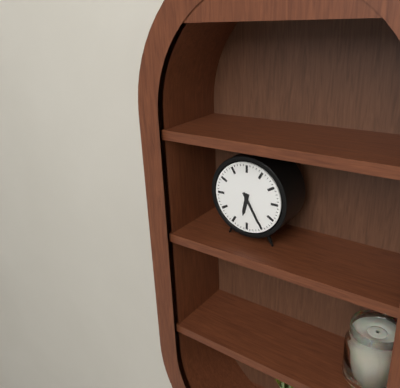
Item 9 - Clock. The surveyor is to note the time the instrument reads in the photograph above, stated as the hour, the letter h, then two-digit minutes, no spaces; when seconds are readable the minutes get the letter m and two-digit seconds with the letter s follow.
6h25
